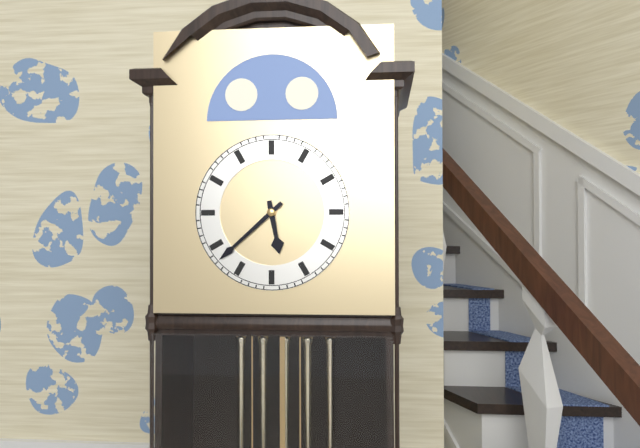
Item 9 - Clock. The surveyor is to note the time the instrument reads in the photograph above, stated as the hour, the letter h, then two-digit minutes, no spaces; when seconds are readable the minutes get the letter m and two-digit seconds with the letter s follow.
5h38
